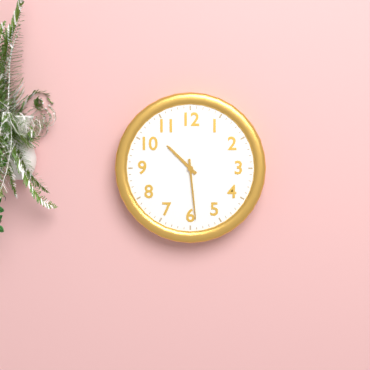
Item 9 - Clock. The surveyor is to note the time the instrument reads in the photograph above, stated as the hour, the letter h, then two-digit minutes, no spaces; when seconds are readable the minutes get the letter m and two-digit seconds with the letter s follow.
10h29
